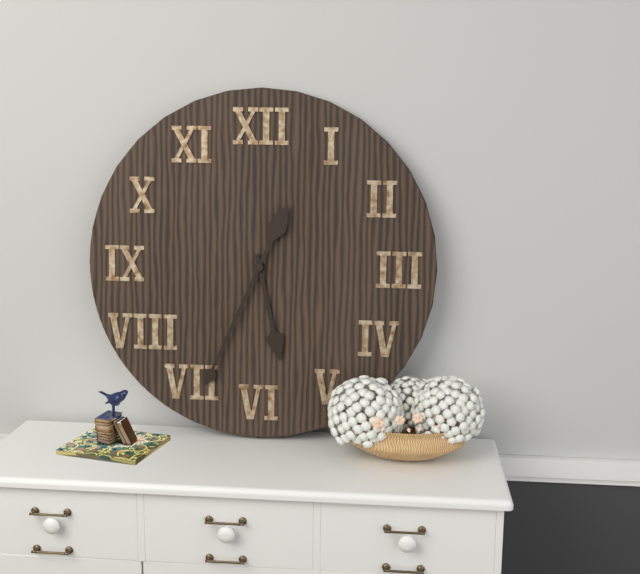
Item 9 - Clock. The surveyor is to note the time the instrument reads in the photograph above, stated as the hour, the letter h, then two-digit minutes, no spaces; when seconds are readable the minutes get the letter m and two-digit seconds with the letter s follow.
5h34
